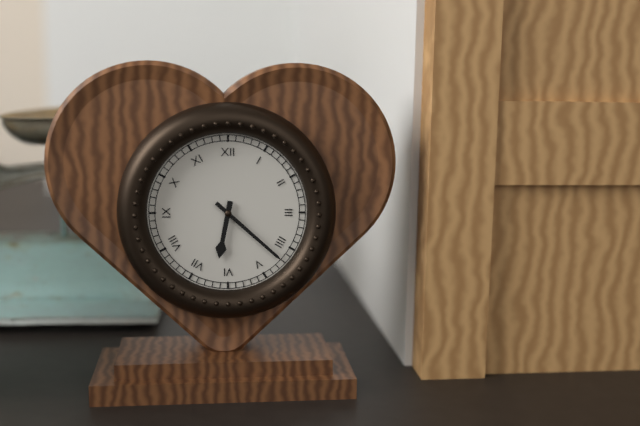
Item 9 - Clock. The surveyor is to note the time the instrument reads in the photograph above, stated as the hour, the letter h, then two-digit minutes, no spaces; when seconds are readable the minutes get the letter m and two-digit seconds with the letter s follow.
6h22
